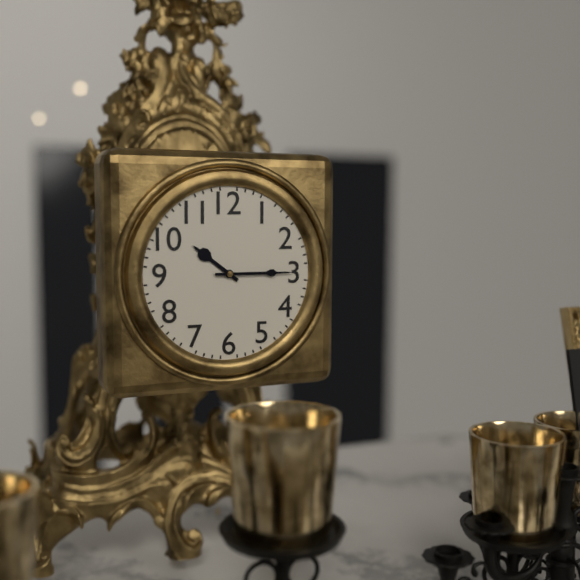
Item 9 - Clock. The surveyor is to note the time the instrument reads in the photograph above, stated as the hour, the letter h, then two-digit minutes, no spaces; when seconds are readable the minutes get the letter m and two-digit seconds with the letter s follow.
10h15
